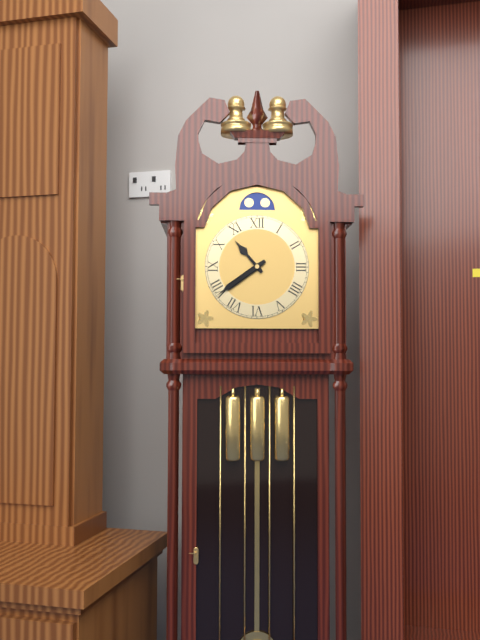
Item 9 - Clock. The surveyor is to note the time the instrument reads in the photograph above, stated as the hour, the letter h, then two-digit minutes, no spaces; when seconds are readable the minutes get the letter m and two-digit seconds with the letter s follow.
10h39
